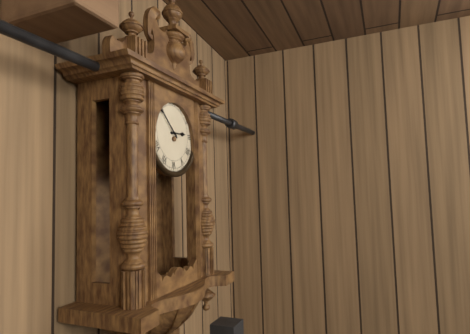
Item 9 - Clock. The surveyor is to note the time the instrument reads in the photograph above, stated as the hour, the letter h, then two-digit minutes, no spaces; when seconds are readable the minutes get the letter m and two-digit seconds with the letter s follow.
2h52
